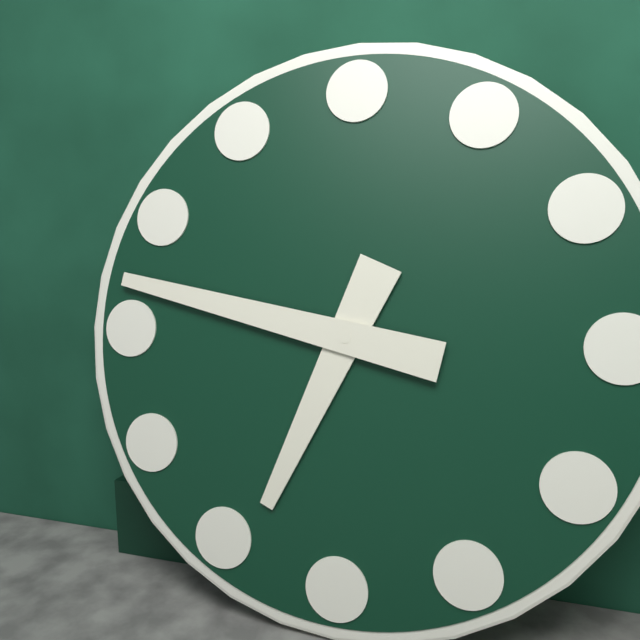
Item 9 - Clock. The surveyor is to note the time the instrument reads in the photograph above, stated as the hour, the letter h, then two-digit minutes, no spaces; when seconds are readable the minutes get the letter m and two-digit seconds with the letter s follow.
6h47
